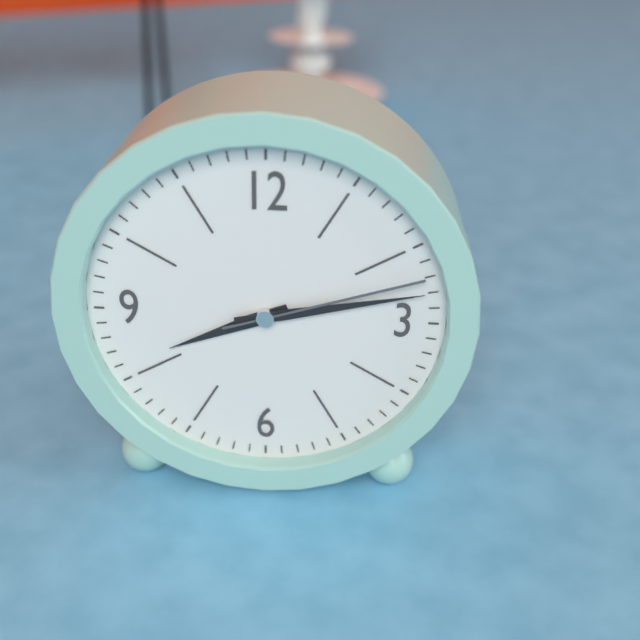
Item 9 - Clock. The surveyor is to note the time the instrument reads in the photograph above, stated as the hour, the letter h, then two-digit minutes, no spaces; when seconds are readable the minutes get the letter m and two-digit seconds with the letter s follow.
8h13m12s
